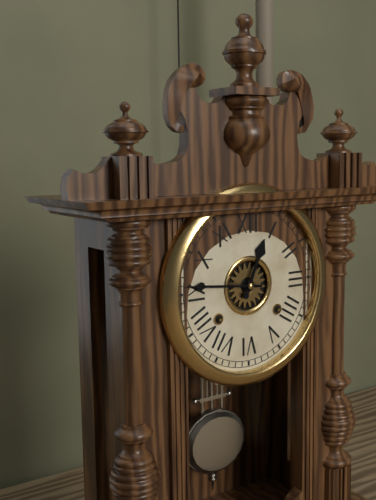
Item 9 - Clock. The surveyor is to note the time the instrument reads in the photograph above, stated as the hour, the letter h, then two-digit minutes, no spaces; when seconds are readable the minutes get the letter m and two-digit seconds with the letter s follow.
12h46
